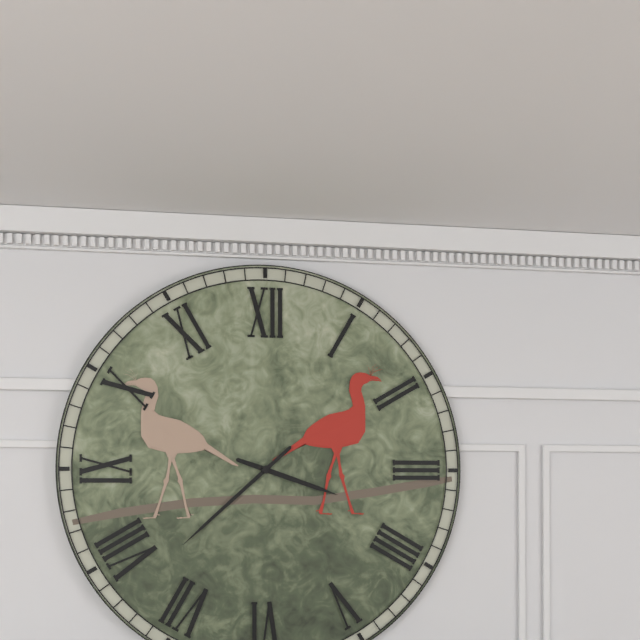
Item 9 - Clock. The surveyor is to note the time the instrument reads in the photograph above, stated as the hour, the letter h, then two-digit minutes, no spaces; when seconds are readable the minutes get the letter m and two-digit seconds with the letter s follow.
3h38
